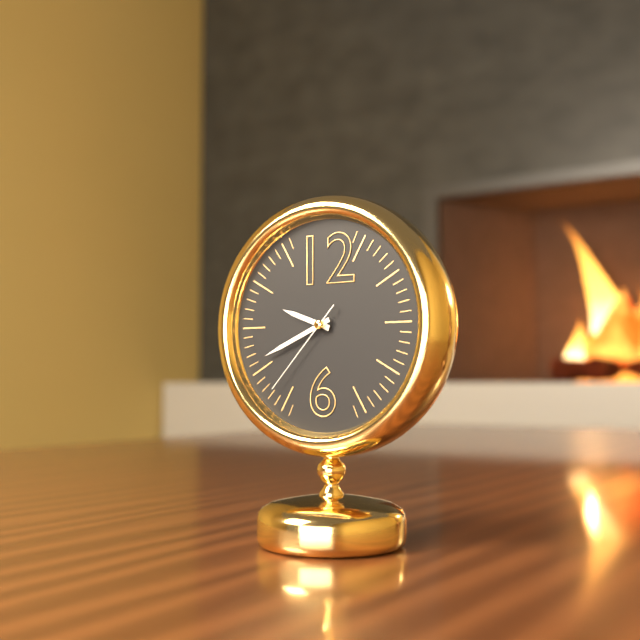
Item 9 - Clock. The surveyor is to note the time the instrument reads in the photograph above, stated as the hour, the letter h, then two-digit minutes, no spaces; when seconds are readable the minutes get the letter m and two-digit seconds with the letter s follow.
9h41m37s
